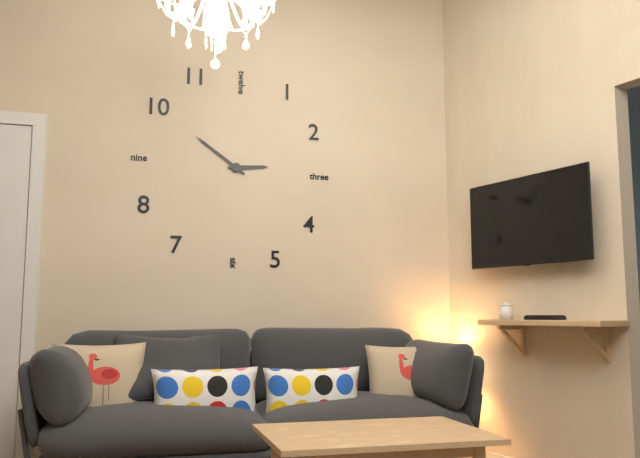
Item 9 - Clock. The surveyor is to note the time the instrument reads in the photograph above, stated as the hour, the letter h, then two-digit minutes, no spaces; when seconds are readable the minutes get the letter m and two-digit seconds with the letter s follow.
2h51
